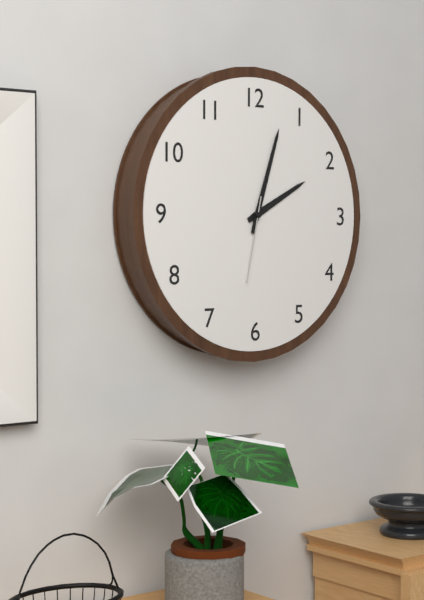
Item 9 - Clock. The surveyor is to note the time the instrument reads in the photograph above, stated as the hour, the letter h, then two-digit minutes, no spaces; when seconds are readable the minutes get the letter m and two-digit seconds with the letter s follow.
2h03m32s
